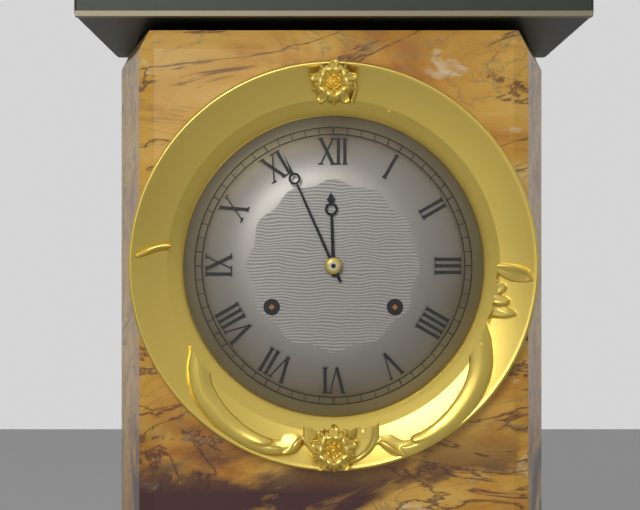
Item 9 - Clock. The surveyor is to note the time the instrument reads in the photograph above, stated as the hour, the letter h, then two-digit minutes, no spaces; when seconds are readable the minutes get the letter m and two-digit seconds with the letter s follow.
11h56
